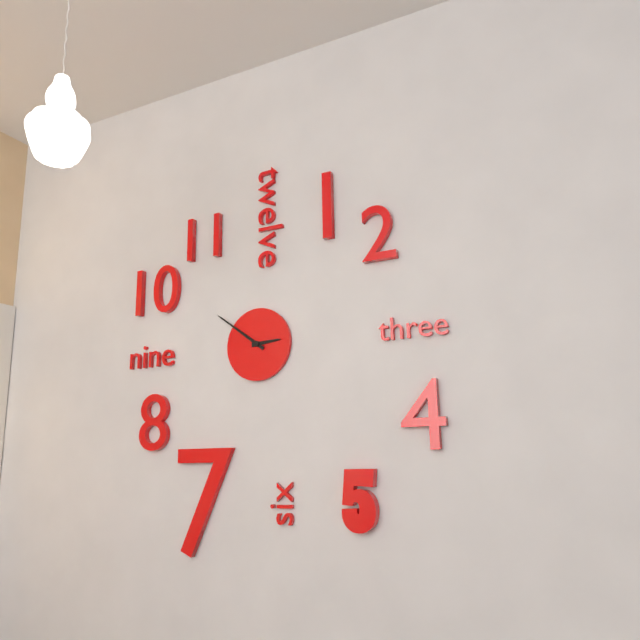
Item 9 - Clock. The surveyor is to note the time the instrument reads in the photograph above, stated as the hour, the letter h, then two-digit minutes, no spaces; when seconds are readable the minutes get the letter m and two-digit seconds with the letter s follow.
2h51
